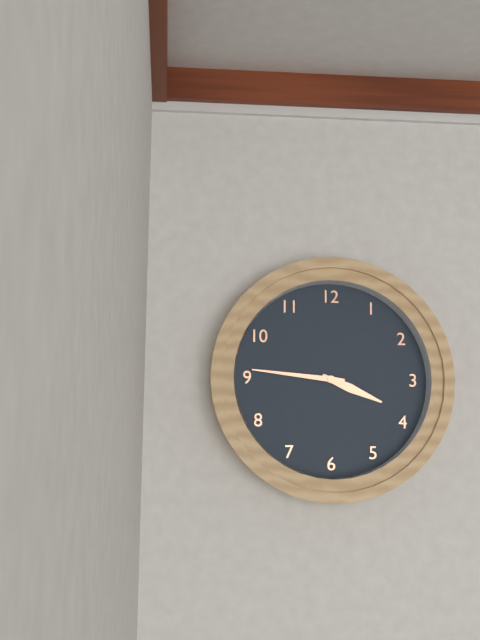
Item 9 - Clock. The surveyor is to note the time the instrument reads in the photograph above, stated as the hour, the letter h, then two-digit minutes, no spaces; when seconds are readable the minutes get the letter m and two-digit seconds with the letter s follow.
3h46
